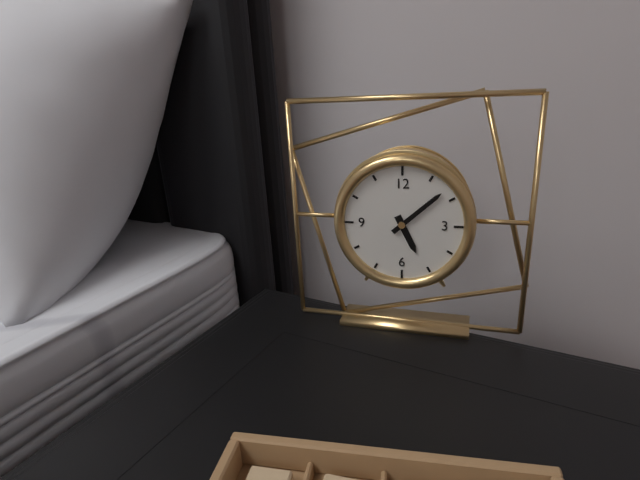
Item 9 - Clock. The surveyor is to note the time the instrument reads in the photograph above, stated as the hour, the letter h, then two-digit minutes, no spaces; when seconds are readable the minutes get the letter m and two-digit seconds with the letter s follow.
5h08
